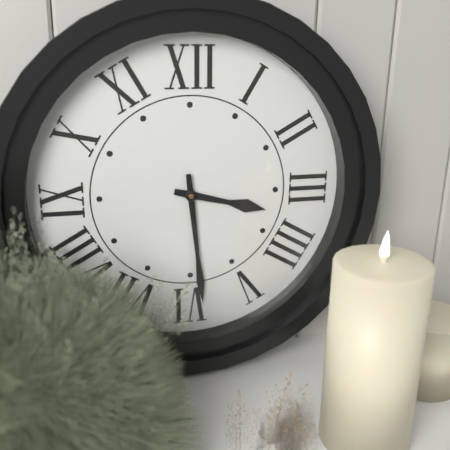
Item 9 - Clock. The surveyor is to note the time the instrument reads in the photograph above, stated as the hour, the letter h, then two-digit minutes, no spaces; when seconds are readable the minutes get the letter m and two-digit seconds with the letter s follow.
3h29
